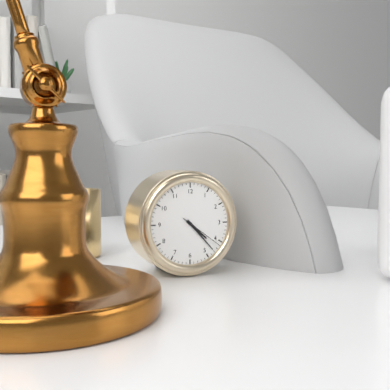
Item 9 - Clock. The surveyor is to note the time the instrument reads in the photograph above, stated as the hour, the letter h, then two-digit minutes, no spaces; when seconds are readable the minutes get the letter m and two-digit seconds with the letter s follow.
4h23m21s
